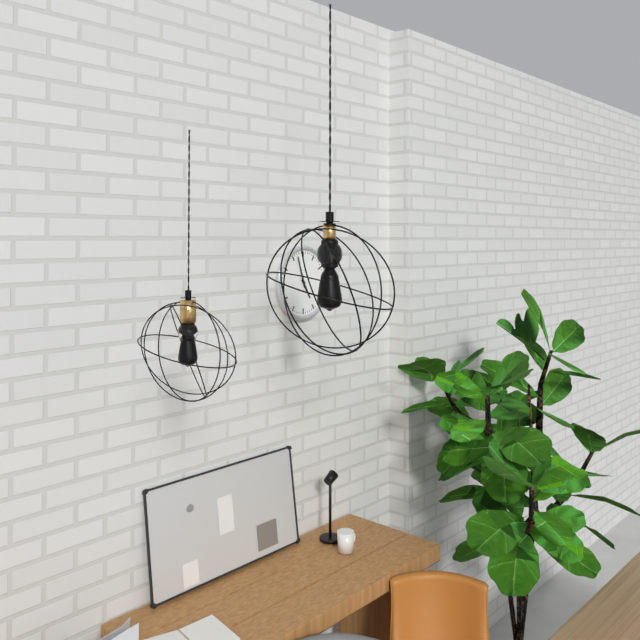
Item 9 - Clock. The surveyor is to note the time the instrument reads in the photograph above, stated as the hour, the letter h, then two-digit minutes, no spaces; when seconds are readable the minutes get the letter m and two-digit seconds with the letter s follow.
4h57
